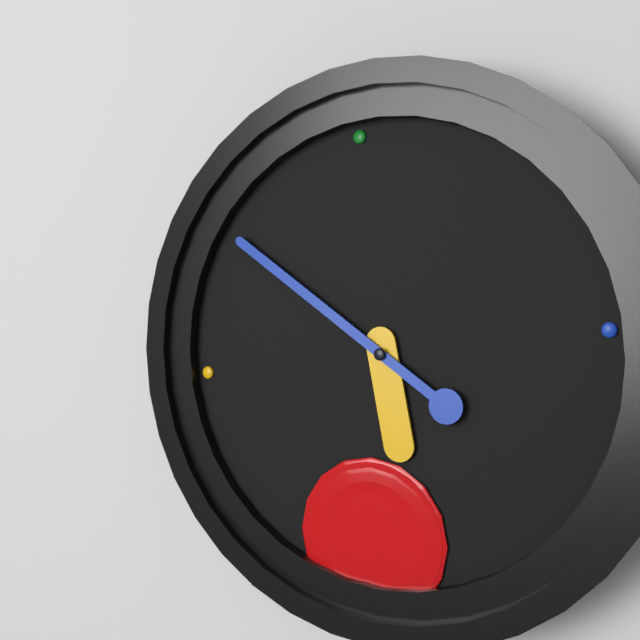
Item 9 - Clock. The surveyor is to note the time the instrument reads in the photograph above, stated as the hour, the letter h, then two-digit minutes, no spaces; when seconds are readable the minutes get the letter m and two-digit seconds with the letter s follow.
5h52
